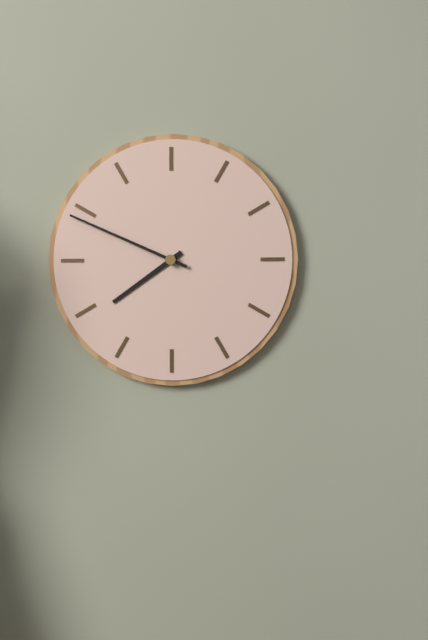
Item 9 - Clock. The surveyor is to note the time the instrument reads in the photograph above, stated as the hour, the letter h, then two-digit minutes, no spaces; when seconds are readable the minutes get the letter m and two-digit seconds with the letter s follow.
7h49
